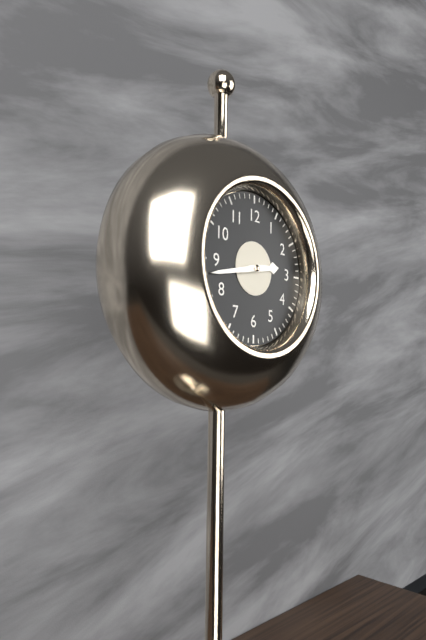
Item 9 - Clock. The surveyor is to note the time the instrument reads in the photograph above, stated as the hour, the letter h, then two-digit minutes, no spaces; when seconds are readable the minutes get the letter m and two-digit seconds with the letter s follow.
2h43
